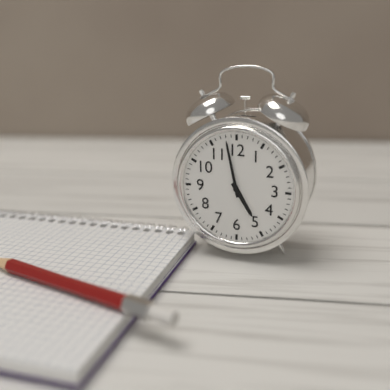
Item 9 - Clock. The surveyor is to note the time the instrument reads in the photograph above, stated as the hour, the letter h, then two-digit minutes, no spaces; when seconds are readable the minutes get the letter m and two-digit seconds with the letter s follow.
4h58
